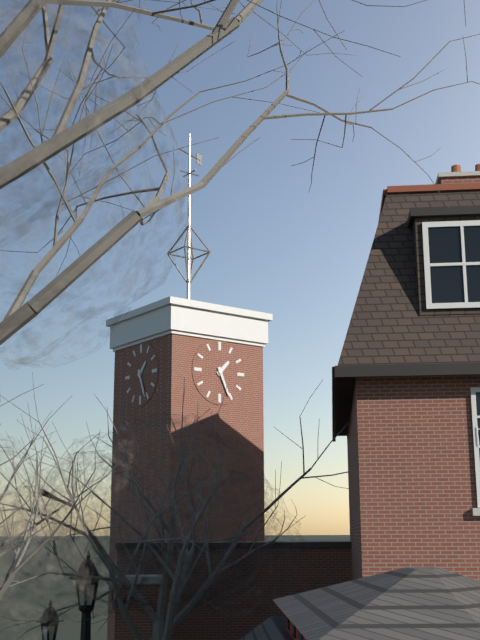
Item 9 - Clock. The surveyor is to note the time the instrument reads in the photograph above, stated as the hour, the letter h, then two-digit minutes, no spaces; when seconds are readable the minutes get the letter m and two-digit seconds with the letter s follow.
1h26
